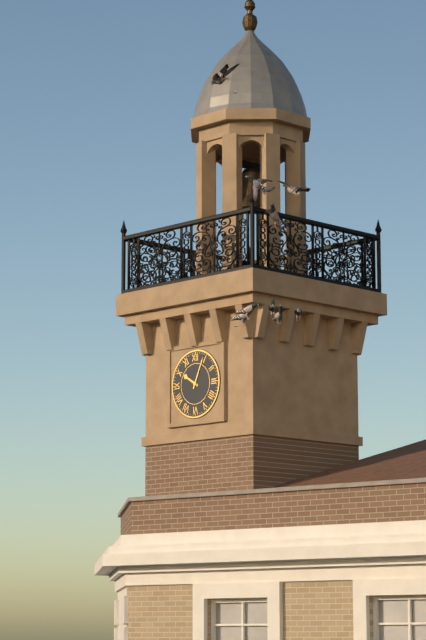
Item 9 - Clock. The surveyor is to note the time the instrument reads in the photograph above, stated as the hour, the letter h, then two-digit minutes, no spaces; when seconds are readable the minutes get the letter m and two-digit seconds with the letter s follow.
10h04
